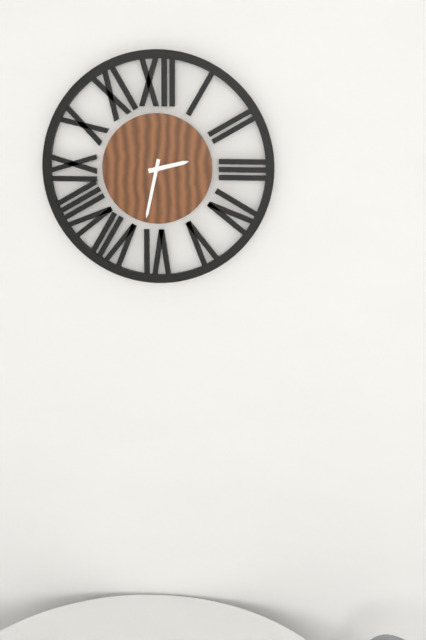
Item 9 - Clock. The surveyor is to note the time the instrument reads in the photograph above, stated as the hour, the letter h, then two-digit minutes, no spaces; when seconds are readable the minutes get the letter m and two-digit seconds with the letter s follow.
2h32
